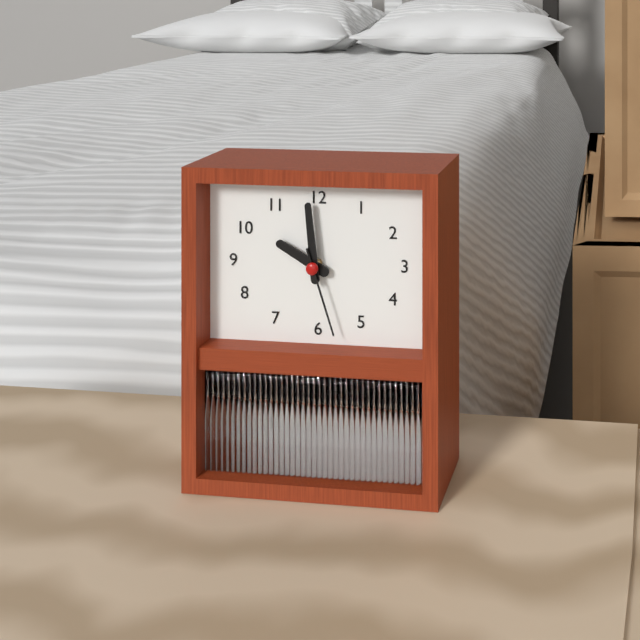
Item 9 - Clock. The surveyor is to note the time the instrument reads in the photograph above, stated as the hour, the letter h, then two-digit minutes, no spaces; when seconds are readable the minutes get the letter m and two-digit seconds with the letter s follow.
9h59m27s
